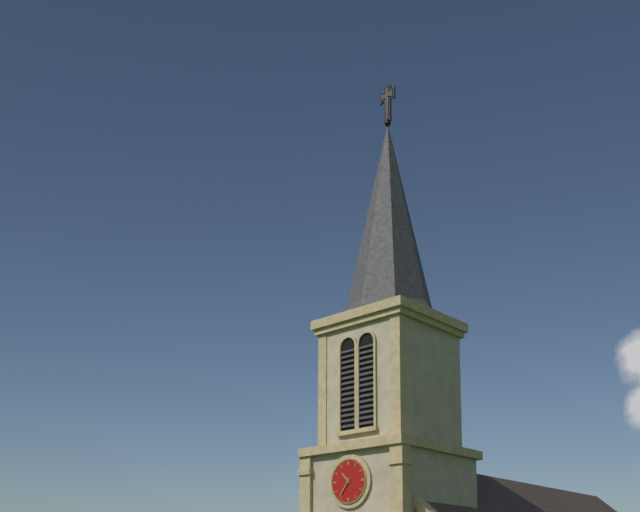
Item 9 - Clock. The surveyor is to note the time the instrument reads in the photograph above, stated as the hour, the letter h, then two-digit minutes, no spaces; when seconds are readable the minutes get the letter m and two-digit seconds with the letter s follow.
10h36
